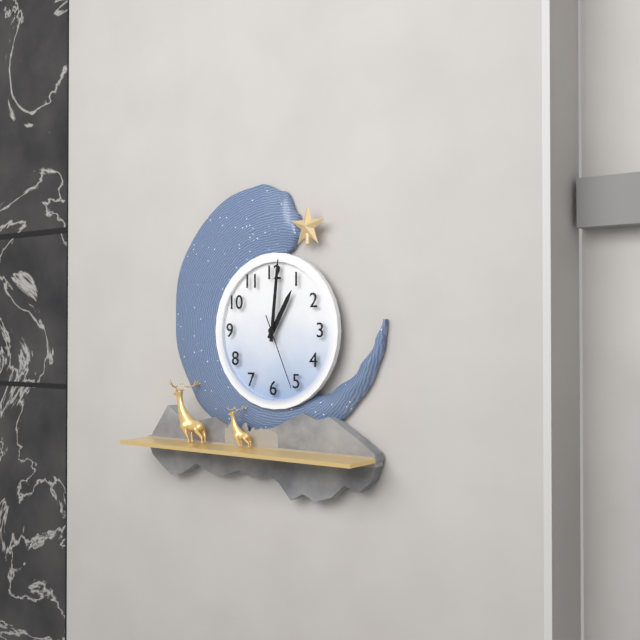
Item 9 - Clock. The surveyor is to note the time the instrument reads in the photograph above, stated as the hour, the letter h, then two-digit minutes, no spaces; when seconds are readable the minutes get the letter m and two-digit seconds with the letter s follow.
1h01m26s
